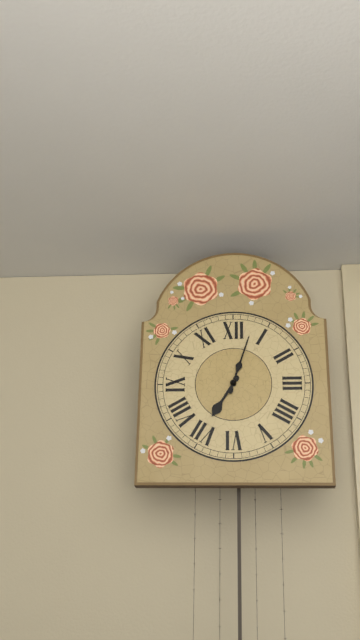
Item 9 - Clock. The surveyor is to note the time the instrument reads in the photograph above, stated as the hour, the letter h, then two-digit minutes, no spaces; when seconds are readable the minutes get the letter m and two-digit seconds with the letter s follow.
7h03
